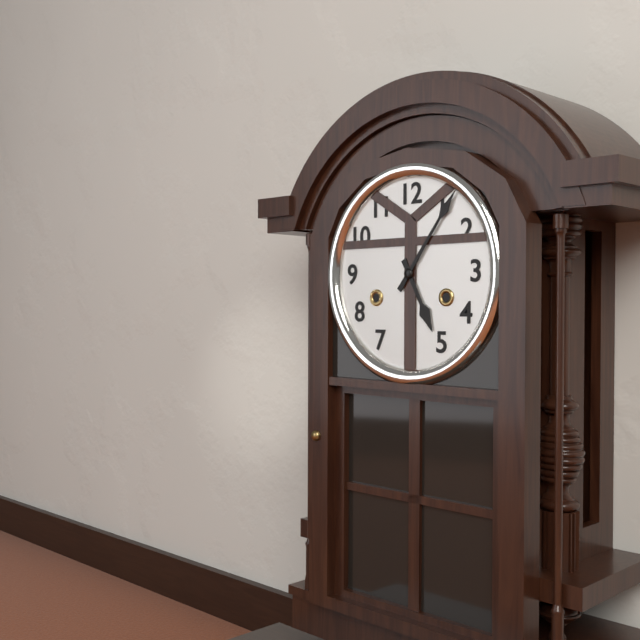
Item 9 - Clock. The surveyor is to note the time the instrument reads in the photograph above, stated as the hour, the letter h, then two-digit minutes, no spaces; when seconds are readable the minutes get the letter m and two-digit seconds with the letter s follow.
5h06
